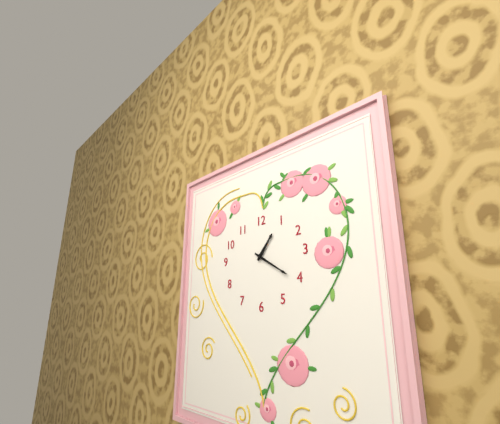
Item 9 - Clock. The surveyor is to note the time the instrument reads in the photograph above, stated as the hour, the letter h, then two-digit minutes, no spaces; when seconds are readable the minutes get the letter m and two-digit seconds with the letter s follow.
1h20
